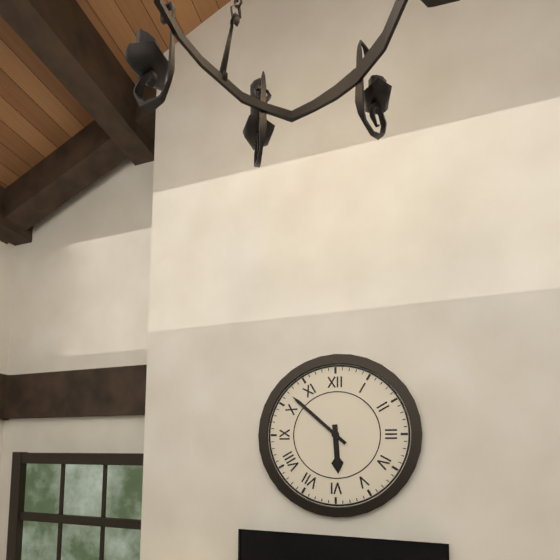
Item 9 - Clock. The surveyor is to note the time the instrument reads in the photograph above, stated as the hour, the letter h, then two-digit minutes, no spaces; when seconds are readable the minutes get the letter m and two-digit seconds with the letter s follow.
5h52
